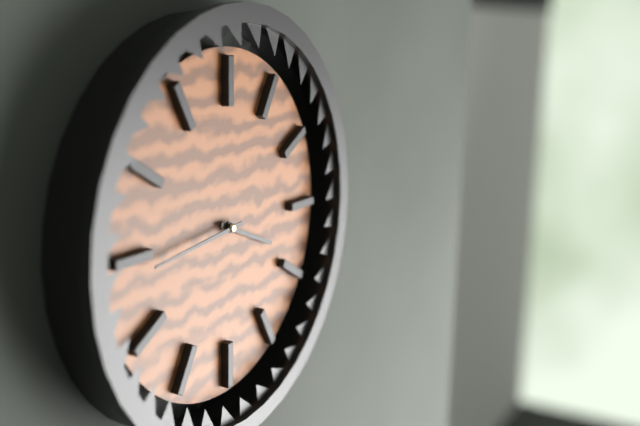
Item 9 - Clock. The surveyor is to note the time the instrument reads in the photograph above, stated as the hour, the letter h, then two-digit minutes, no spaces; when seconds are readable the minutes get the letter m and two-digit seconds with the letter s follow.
3h44
